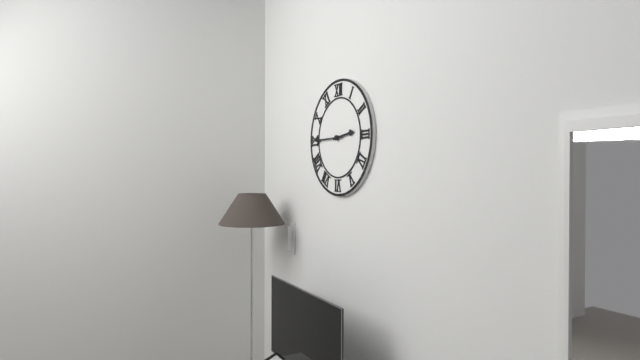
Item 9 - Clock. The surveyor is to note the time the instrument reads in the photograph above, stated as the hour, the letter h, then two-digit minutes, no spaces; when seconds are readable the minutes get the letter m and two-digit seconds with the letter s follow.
2h45
